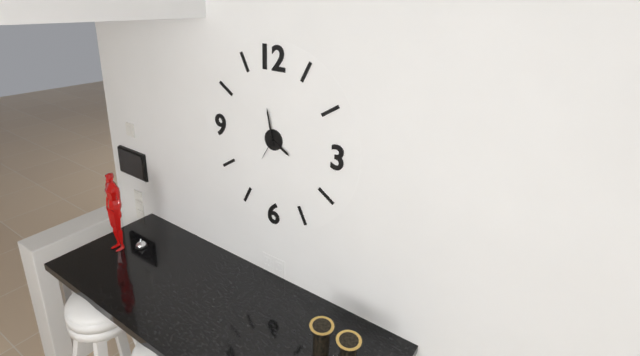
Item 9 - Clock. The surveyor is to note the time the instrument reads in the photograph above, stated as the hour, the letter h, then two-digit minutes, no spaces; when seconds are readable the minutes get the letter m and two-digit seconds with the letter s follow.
3h58
